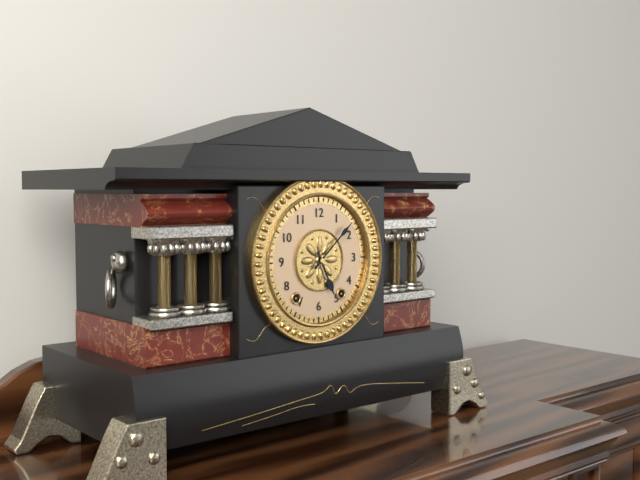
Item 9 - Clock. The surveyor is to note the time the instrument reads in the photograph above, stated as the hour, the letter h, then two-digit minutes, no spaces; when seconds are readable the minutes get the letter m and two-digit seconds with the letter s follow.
5h08
